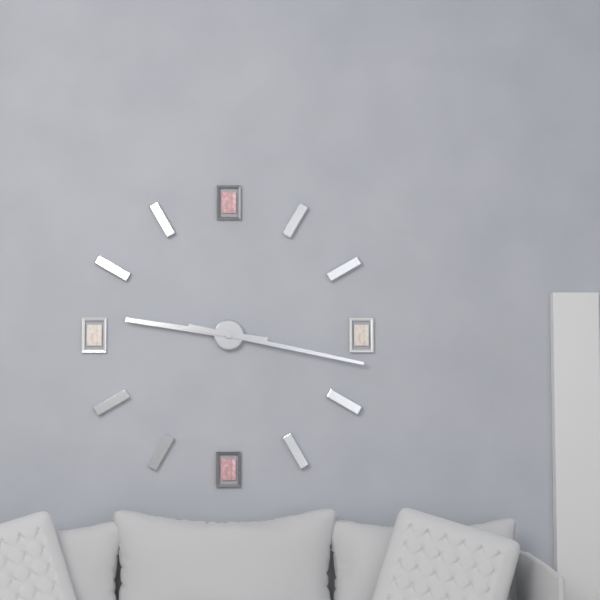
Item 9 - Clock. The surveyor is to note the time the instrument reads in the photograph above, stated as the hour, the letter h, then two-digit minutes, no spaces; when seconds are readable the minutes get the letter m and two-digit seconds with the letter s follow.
9h17
